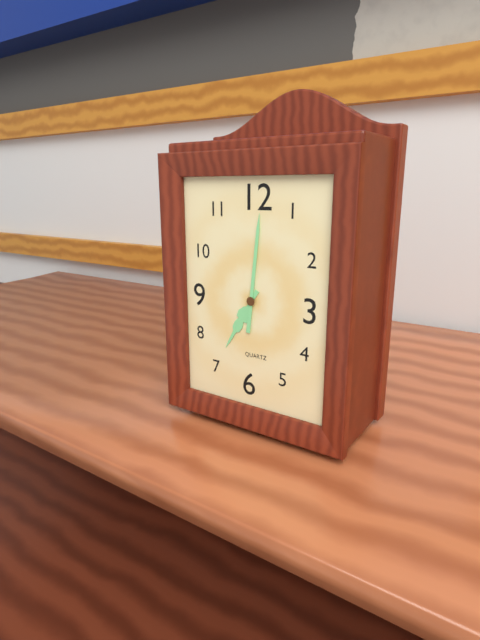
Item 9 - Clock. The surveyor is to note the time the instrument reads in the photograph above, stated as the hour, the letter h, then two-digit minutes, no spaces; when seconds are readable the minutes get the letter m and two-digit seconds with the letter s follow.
7h01
